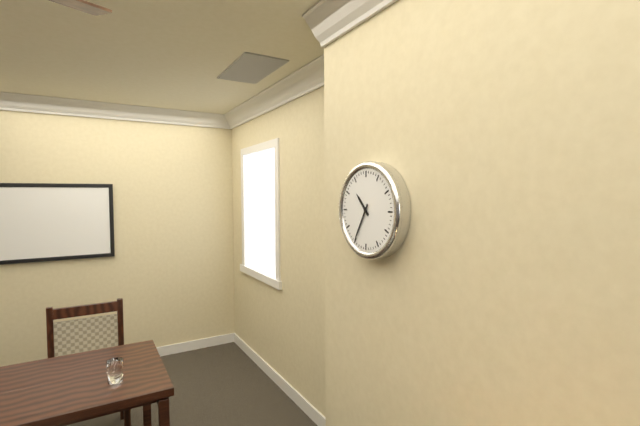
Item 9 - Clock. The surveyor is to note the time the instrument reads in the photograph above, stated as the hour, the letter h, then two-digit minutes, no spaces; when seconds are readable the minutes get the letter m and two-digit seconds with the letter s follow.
10h35
